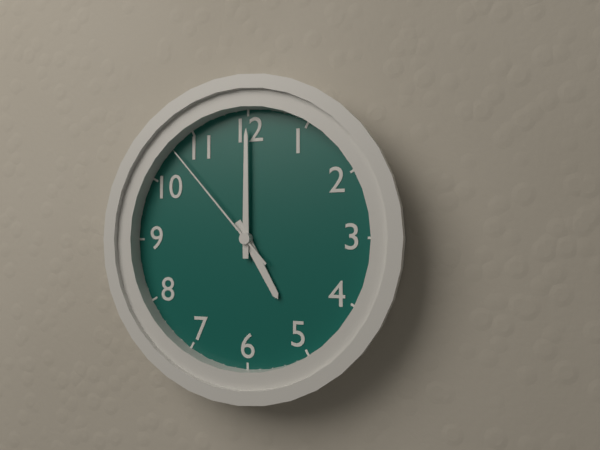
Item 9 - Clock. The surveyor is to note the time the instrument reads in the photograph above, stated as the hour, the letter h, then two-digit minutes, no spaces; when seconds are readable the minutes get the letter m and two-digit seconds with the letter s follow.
5h00m53s
